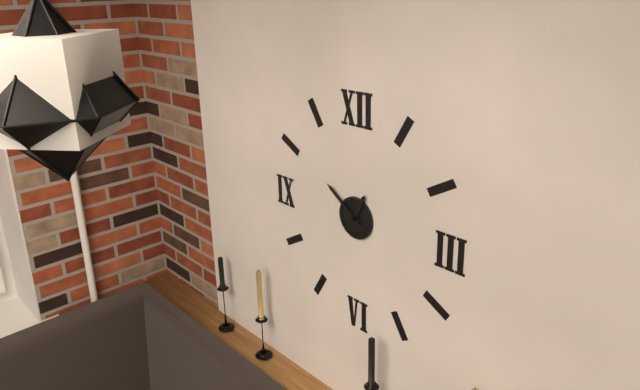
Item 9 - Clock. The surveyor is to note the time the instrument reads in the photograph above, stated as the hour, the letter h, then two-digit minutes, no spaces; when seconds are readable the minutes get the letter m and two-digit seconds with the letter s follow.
12h51
